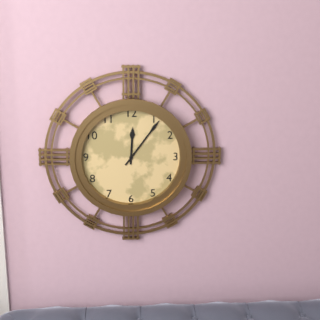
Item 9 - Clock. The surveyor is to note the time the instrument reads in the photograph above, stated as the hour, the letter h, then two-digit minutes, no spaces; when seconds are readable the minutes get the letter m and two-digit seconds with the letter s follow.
12h06
